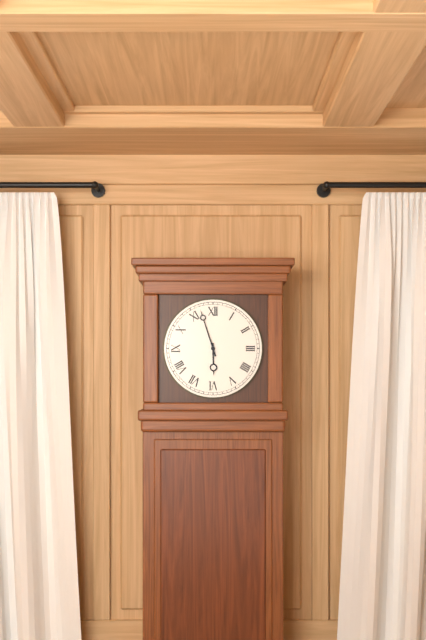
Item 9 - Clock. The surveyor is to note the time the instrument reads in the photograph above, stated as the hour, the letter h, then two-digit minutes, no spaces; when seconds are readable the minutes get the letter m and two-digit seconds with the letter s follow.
5h57
